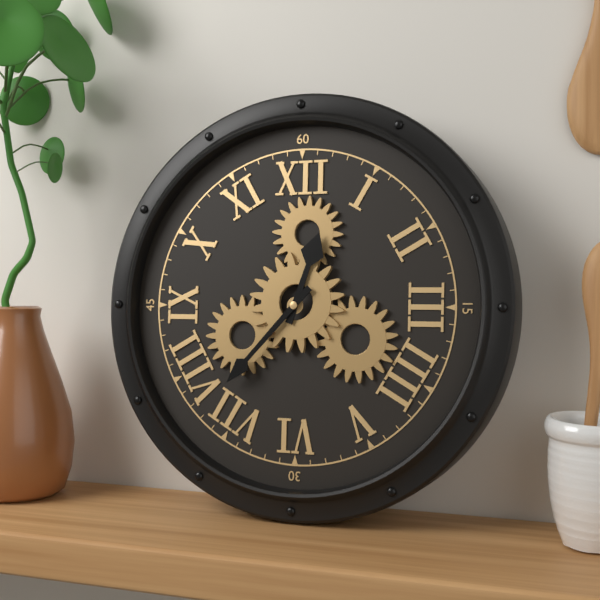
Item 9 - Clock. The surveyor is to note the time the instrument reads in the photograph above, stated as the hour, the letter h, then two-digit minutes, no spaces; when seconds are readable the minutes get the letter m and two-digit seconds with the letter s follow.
12h37
